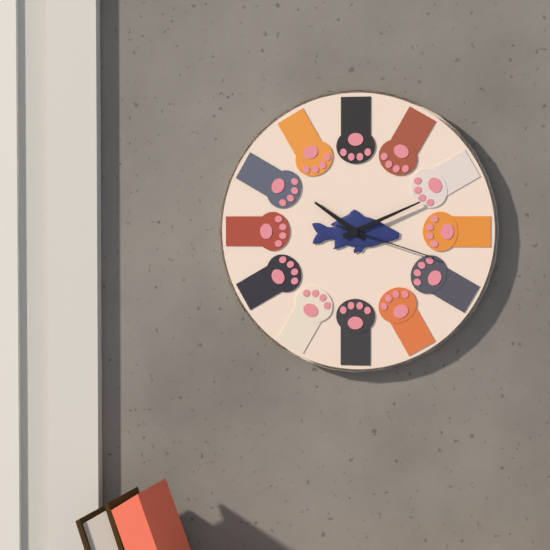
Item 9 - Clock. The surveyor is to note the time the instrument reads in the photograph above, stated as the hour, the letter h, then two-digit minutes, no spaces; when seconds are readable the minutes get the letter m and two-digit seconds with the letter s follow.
10h11m18s
